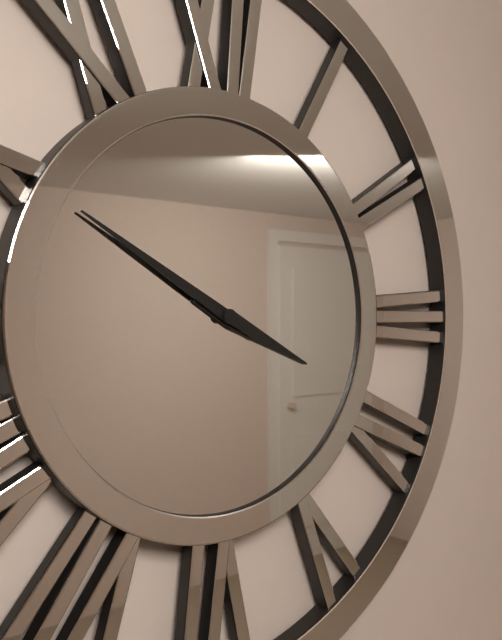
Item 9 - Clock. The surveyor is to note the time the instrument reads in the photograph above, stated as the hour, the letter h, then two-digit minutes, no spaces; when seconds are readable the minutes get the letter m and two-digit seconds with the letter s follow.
3h50
